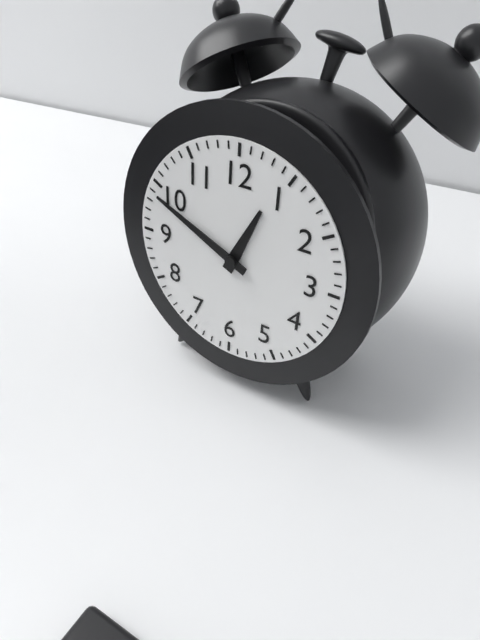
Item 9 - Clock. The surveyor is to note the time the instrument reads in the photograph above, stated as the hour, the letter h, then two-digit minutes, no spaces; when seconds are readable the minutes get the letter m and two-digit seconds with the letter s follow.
12h49
